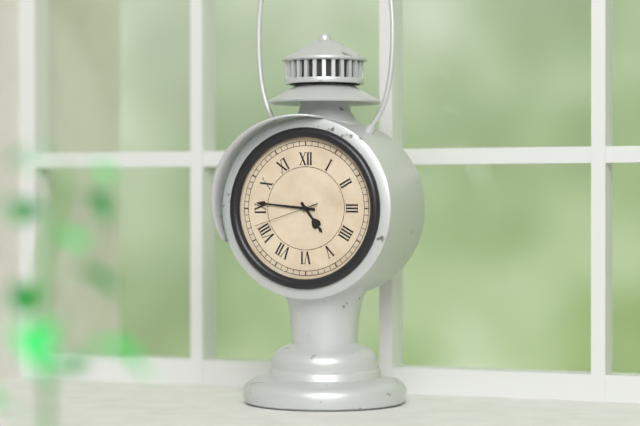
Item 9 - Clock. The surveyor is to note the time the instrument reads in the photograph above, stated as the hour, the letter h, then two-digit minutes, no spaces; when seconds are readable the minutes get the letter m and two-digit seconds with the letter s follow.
4h46m42s
